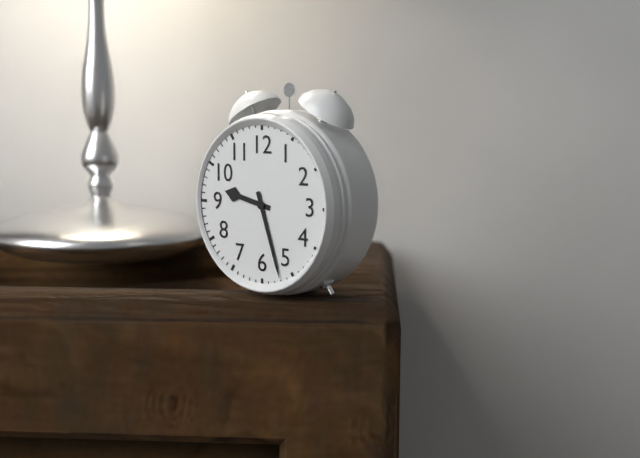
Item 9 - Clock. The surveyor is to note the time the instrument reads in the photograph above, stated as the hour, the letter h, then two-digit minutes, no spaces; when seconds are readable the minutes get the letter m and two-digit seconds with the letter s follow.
9h27
